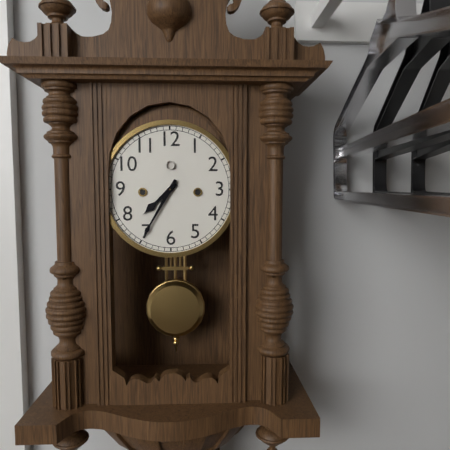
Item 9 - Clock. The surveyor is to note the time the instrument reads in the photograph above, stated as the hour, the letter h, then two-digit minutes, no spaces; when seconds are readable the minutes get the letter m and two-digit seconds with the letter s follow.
7h35
